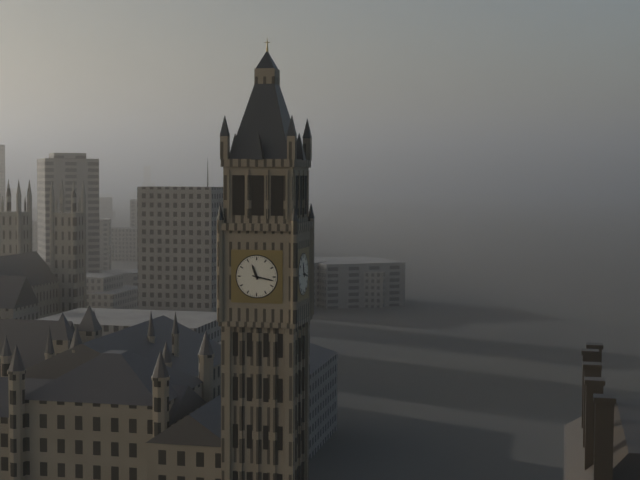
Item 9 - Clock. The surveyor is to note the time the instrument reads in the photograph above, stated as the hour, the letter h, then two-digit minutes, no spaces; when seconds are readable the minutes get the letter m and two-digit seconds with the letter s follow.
11h17
